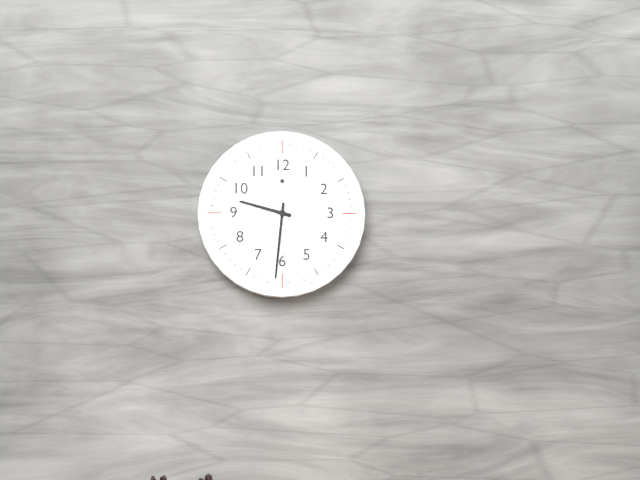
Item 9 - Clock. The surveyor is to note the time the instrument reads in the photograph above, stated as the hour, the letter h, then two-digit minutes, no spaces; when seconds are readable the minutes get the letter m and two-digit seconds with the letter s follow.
9h31
